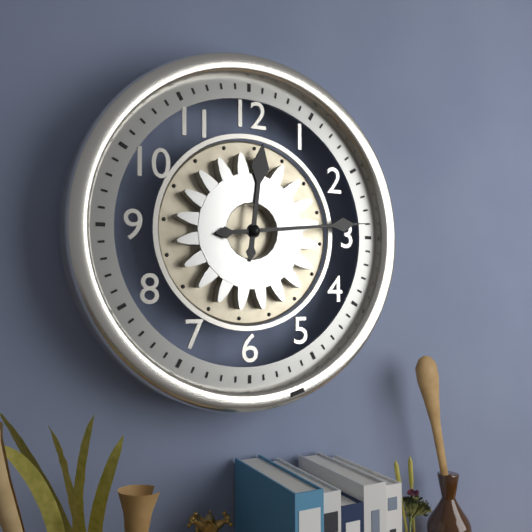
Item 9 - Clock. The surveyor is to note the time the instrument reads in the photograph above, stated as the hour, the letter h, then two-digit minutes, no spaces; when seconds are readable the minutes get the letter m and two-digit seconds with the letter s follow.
12h14
